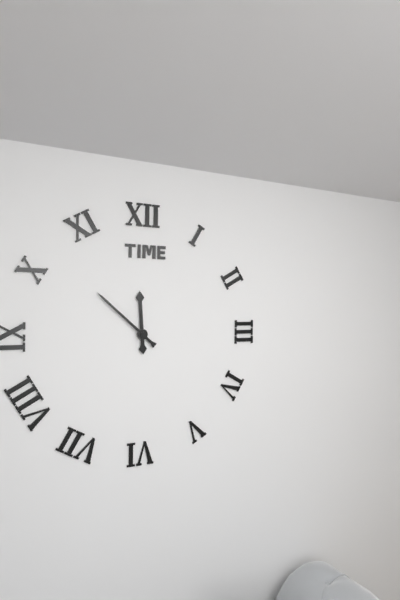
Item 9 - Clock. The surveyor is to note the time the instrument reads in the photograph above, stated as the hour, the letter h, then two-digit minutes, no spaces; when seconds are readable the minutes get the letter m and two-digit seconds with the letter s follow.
11h52
